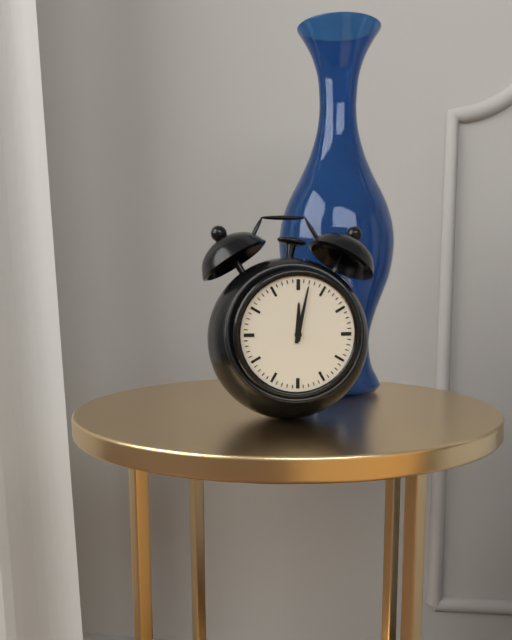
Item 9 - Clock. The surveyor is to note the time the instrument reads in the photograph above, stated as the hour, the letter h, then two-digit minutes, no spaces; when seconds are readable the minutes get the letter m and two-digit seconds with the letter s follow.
12h02
